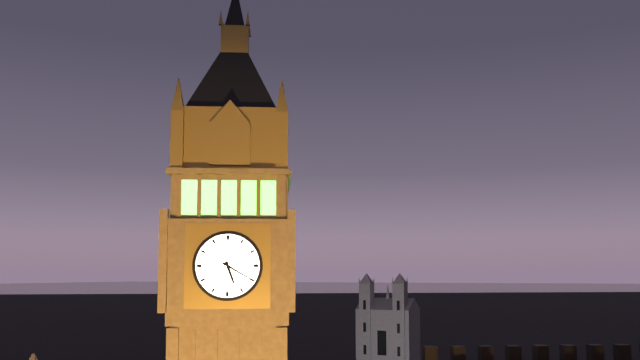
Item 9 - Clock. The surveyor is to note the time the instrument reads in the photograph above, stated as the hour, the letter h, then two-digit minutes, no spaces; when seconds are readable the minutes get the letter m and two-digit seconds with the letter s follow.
5h20
